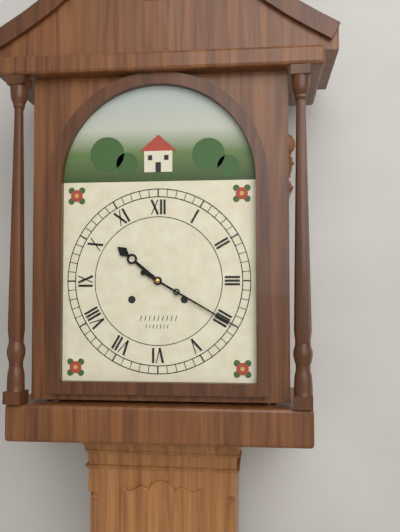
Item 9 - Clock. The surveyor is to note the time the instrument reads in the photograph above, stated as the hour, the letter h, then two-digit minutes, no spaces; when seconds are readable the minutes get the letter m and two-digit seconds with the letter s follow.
10h20
